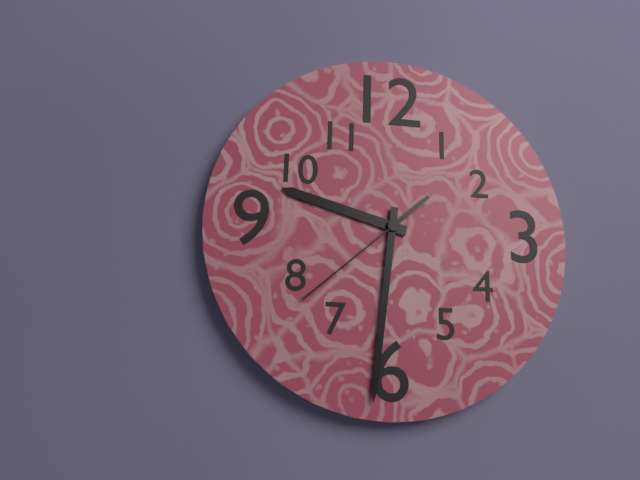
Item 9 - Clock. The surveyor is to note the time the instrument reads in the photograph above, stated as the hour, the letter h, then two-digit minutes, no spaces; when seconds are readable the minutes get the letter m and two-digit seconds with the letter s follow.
9h31m38s
